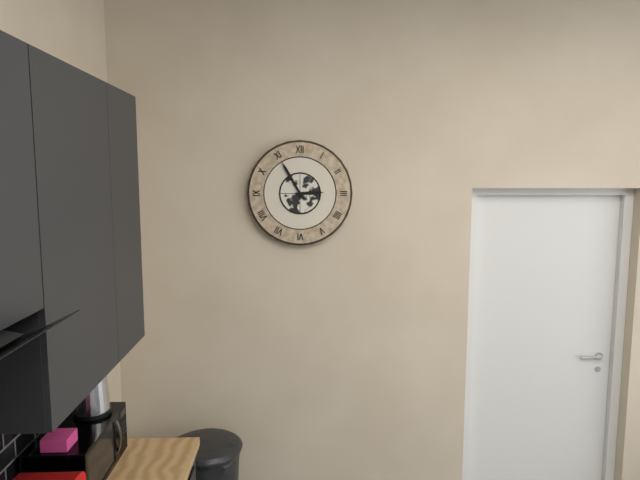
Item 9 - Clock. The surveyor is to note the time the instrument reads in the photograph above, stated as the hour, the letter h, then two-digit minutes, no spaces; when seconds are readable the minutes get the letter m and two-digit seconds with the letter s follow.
2h55
